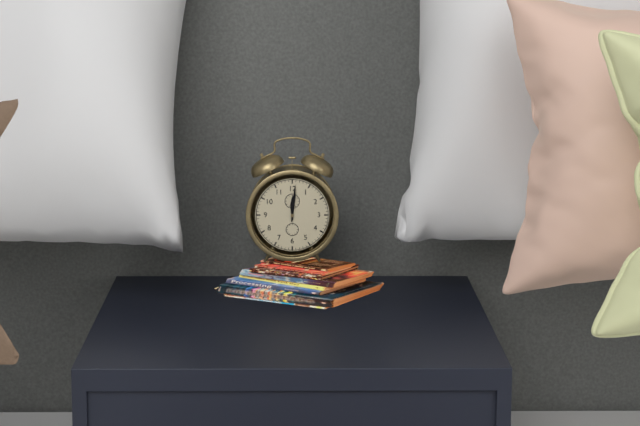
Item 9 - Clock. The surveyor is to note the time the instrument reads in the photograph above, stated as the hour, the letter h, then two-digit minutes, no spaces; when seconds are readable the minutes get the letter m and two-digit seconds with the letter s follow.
12h01
